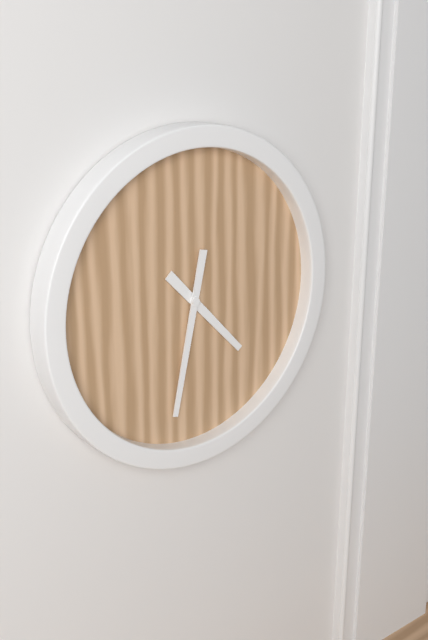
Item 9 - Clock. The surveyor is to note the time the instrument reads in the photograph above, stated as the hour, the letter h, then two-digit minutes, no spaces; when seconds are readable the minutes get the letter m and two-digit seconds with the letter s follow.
4h32
